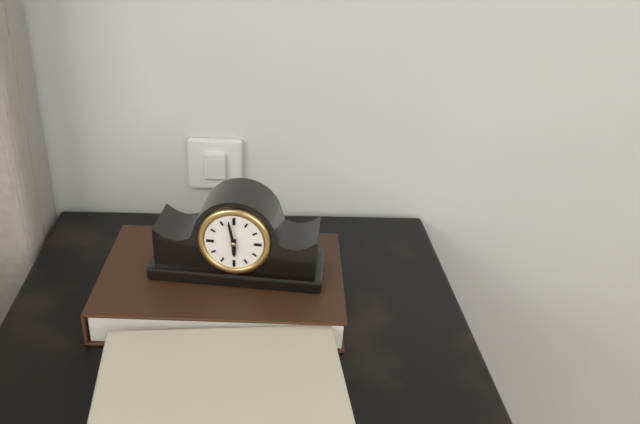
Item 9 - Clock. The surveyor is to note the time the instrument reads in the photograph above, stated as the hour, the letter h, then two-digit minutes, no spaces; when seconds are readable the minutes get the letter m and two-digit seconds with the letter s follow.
5h58
